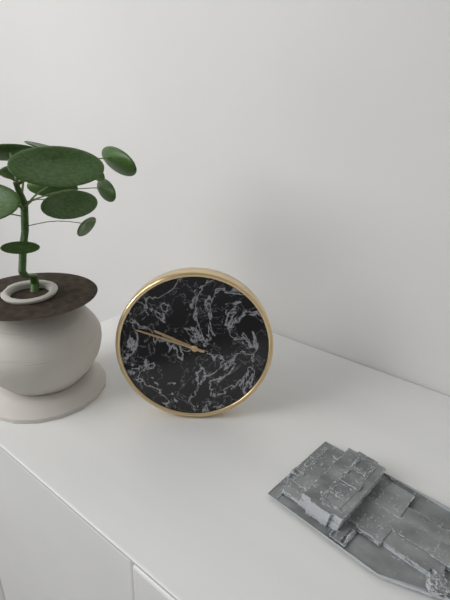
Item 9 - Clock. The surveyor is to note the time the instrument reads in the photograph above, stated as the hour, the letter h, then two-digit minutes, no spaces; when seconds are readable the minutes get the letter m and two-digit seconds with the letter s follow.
9h48
